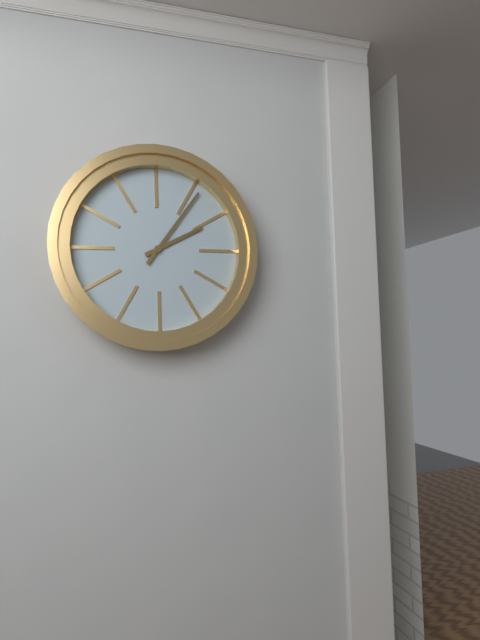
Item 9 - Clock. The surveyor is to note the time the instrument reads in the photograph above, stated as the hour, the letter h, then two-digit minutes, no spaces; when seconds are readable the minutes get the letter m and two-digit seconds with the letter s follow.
2h06
